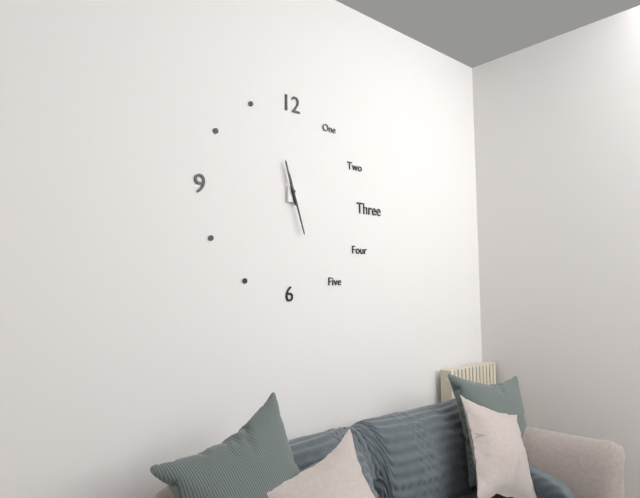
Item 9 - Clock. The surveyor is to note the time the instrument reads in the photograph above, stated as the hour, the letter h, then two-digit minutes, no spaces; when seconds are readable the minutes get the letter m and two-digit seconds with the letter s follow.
11h27
